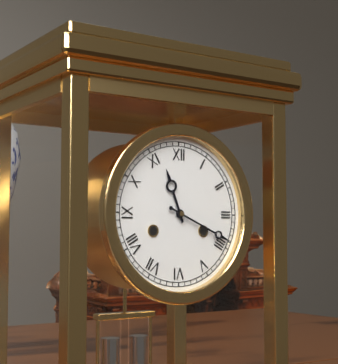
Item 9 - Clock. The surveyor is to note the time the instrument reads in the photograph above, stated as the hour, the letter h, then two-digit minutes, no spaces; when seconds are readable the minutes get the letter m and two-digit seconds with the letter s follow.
11h19
